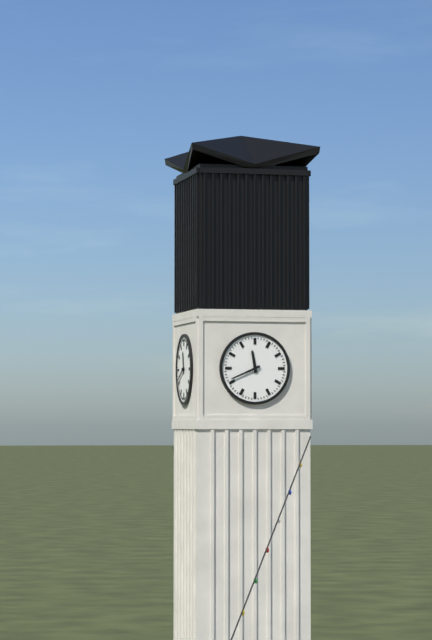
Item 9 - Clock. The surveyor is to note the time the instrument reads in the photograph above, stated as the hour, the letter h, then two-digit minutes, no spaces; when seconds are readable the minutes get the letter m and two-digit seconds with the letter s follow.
11h41
